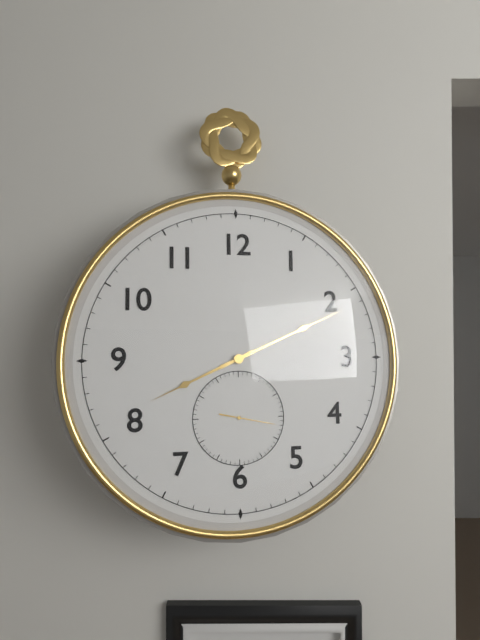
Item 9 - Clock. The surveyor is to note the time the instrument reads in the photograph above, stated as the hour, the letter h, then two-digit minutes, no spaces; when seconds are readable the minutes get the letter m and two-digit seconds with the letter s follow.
8h11
